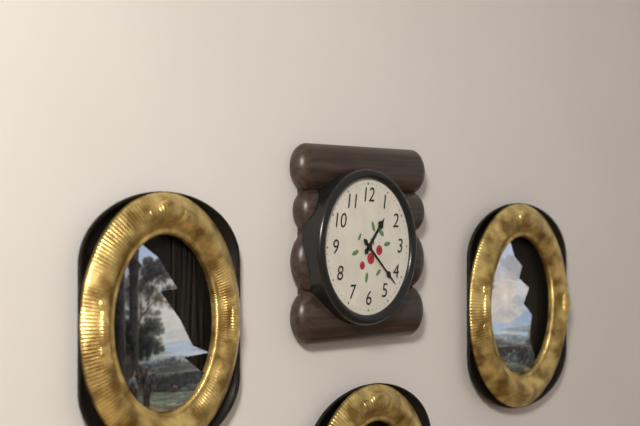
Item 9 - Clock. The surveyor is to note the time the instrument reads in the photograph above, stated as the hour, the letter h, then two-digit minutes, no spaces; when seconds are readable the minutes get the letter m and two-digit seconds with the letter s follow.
1h22
